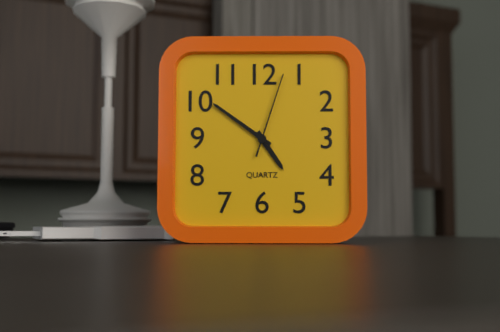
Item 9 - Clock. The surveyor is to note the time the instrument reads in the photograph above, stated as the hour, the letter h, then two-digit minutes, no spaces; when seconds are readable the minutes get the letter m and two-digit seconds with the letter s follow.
4h51m03s
